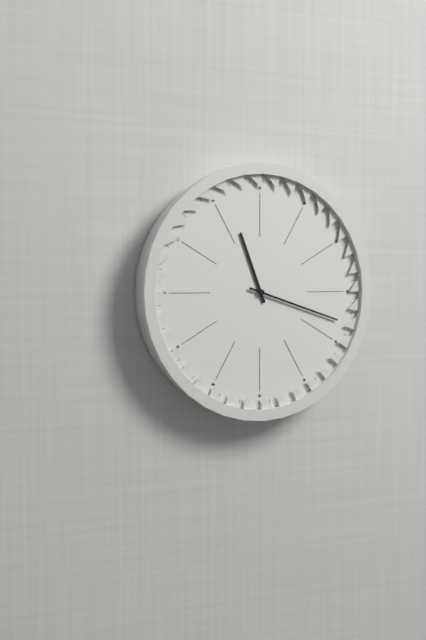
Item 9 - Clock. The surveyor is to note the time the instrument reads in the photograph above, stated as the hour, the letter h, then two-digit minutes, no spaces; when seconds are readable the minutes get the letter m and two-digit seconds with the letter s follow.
11h18
